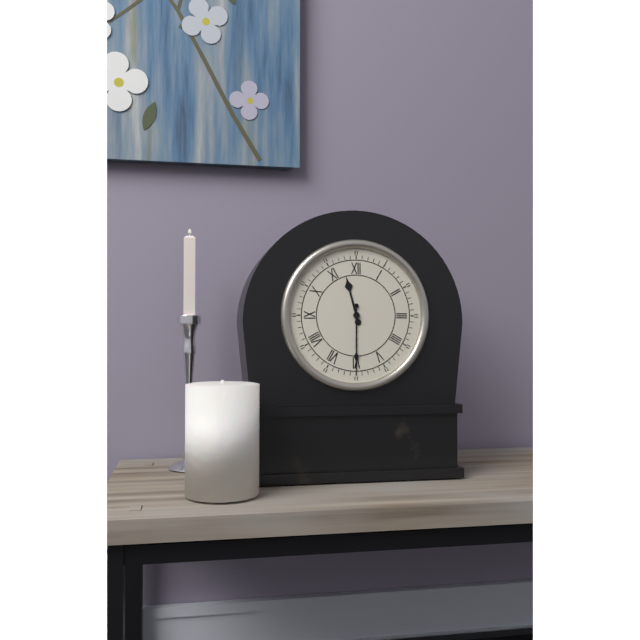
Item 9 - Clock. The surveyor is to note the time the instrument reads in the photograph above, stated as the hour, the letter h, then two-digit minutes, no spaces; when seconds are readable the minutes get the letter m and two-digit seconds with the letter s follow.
11h30
